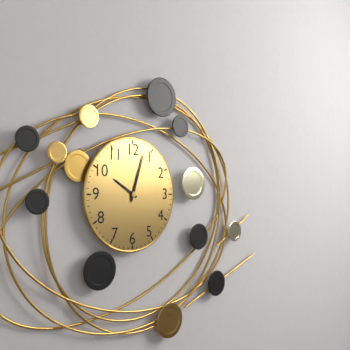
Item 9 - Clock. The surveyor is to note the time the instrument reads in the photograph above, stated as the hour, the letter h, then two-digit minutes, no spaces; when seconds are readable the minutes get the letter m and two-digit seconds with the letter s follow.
10h03
